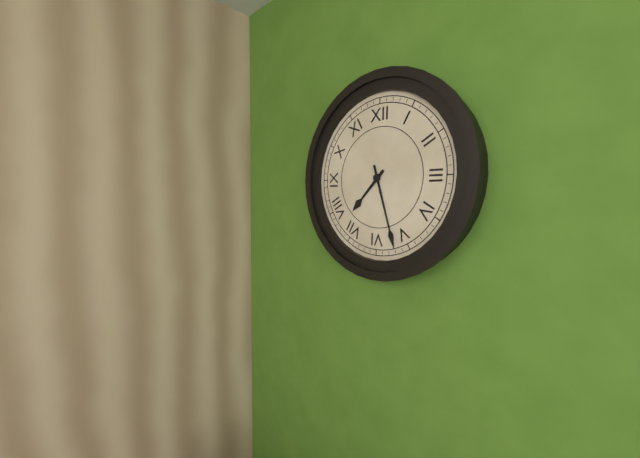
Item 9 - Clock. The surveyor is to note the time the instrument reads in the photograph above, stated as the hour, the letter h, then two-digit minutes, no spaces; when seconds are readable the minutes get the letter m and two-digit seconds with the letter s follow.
7h27
